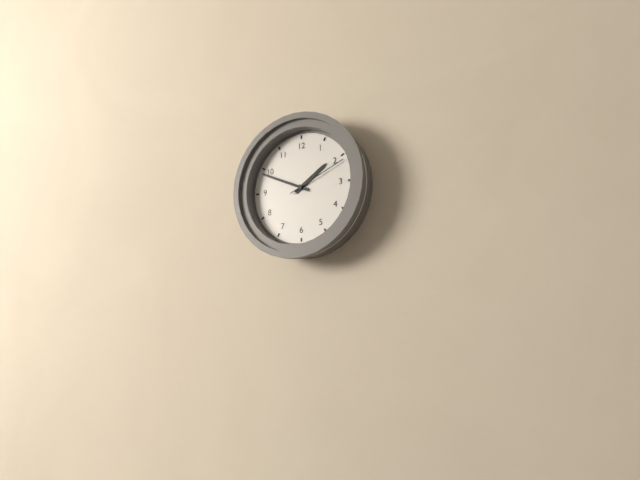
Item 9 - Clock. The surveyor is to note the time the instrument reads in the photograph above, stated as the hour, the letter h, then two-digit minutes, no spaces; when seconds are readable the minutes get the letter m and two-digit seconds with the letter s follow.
1h49m11s
